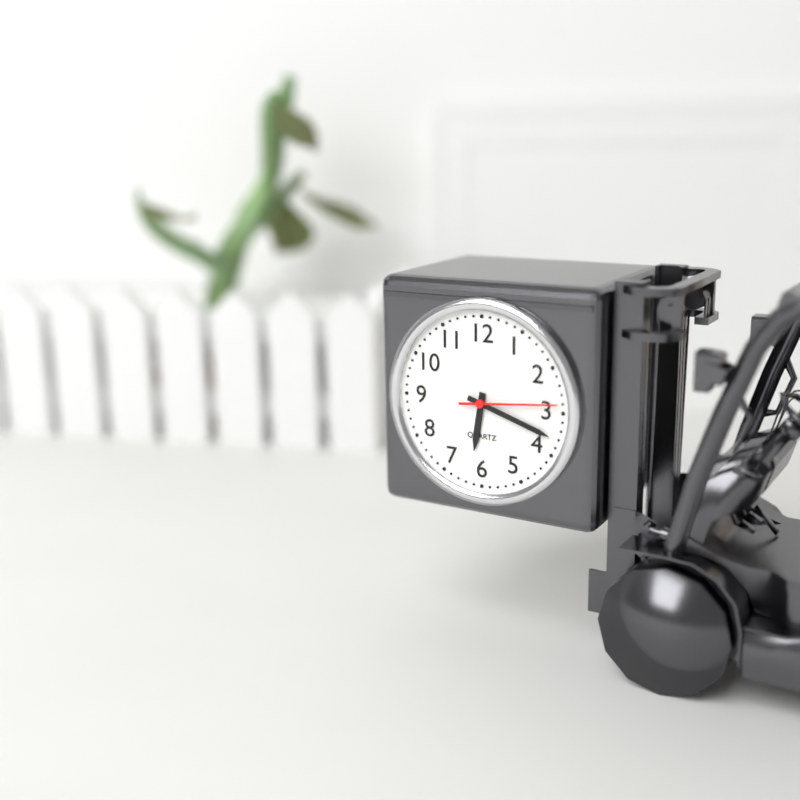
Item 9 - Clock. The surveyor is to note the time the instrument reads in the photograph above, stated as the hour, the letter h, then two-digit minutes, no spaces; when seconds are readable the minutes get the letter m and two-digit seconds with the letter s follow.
6h18m14s
